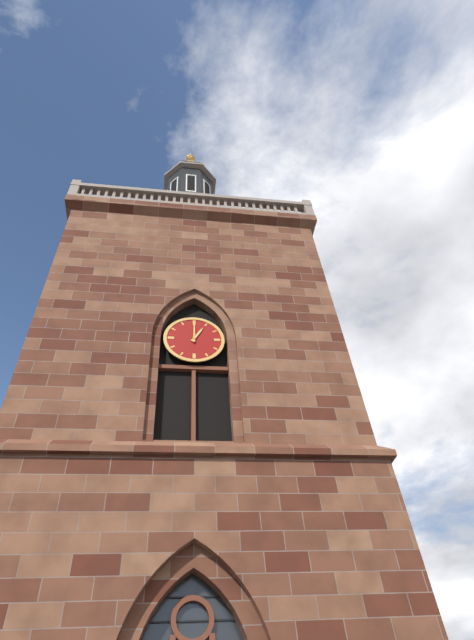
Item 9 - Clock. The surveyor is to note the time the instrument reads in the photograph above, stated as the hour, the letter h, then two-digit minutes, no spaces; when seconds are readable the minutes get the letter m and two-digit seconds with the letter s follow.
1h00
